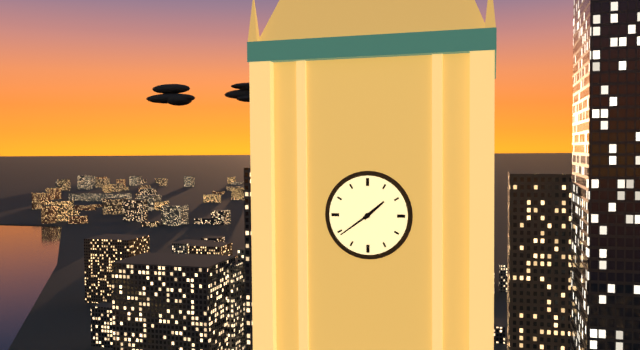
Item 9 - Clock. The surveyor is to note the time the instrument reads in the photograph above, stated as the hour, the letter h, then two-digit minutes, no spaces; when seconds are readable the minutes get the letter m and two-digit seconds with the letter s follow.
1h39
